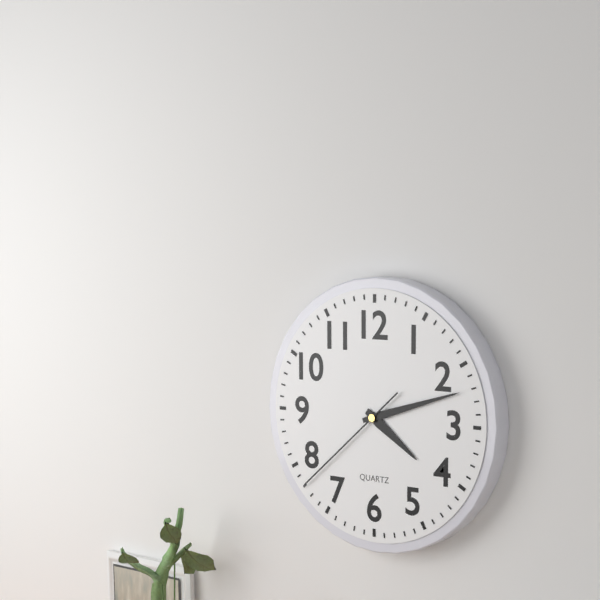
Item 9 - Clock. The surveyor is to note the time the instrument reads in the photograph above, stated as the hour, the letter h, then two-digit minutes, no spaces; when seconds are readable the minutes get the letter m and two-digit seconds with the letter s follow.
4h12m38s
